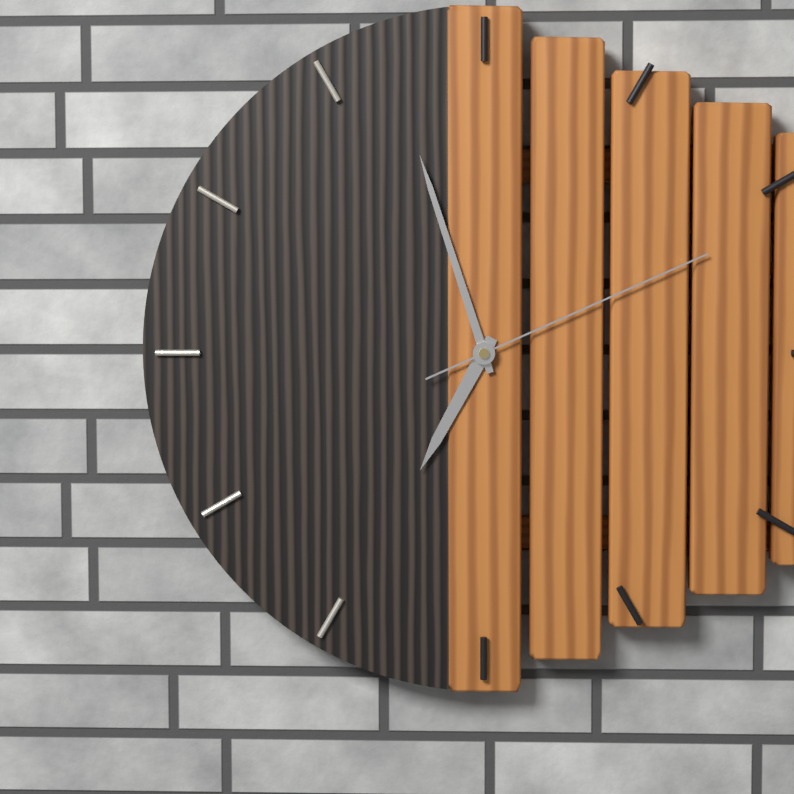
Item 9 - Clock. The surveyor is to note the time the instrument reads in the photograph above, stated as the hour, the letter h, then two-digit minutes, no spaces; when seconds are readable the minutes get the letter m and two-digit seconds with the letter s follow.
6h57m11s
